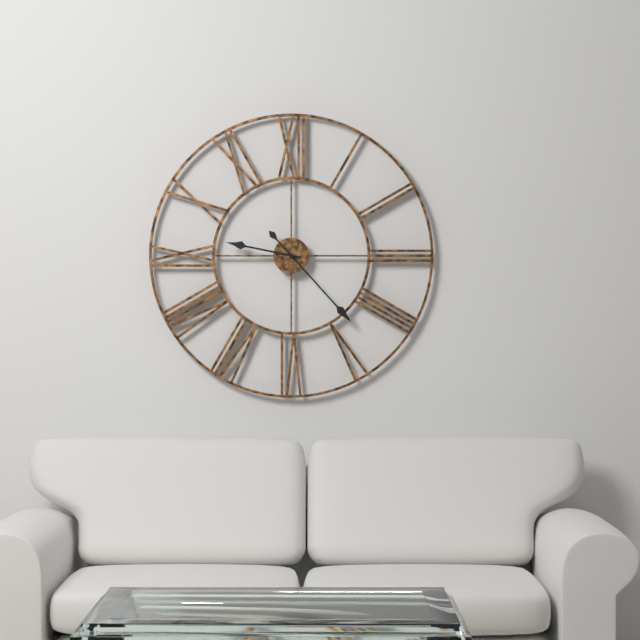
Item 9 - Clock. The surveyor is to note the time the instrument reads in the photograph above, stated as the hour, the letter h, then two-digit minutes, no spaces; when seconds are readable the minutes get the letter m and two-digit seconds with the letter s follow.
9h23
